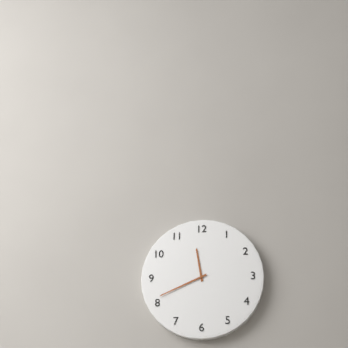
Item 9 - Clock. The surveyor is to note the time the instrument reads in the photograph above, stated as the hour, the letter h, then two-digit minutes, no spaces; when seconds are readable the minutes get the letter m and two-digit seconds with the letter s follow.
11h41
